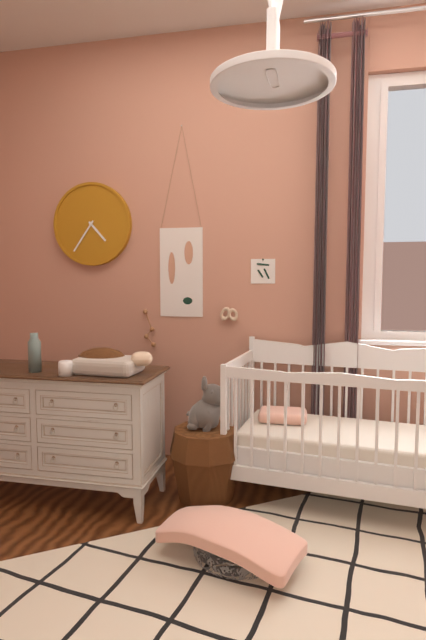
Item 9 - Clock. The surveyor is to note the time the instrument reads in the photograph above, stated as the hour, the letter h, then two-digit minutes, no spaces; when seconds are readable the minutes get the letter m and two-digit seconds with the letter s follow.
4h36
